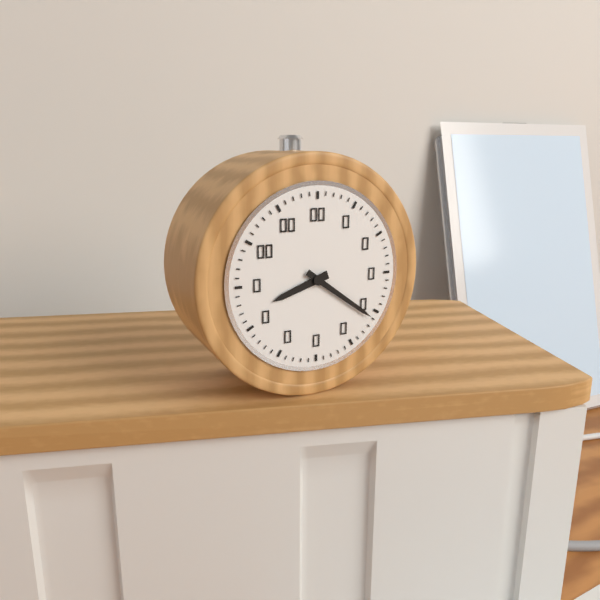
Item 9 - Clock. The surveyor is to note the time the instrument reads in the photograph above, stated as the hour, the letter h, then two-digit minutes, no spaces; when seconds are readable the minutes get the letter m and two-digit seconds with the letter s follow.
8h21
